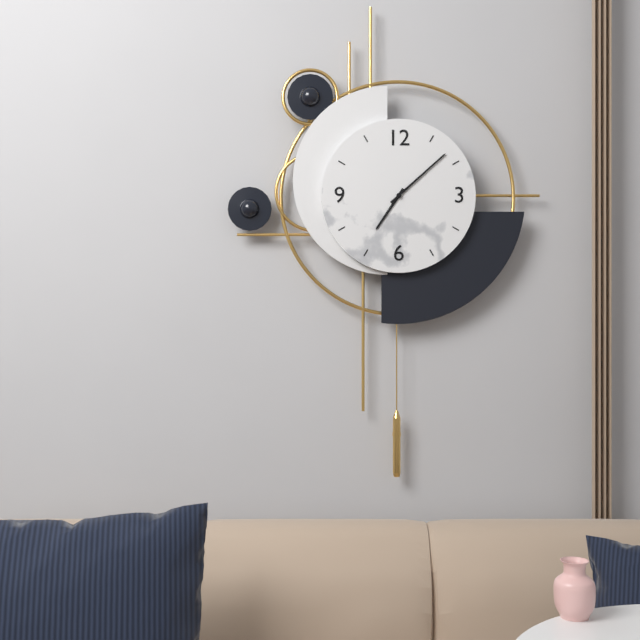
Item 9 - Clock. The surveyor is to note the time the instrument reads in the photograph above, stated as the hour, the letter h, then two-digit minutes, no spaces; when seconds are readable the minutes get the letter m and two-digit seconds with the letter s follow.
7h08
